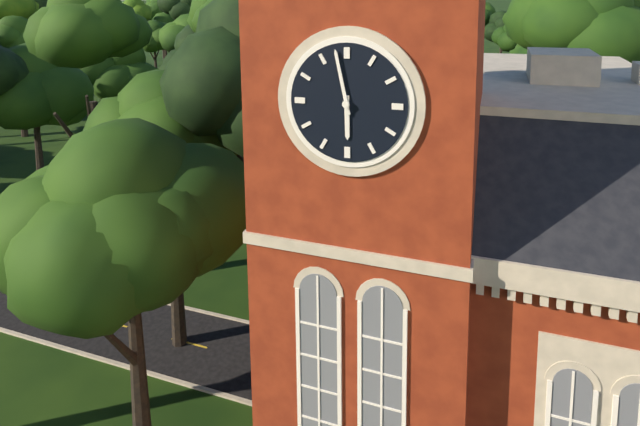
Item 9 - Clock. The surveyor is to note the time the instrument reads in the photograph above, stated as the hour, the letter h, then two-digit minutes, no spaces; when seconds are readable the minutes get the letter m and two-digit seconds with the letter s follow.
5h58
